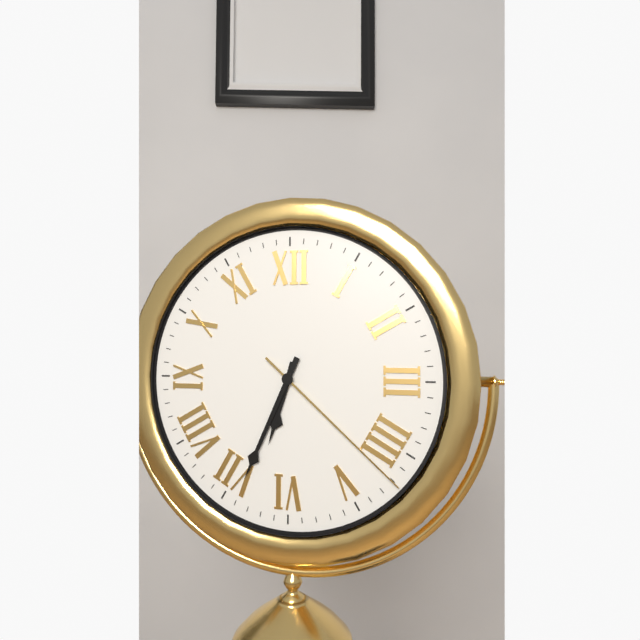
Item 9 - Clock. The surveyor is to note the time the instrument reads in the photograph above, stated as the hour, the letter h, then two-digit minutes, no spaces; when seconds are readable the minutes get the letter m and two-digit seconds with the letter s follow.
6h34m22s
